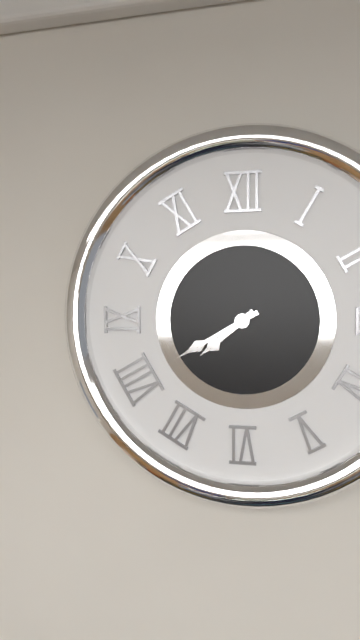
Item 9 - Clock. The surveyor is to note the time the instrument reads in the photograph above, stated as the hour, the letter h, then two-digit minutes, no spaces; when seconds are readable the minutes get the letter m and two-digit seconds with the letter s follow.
7h40
